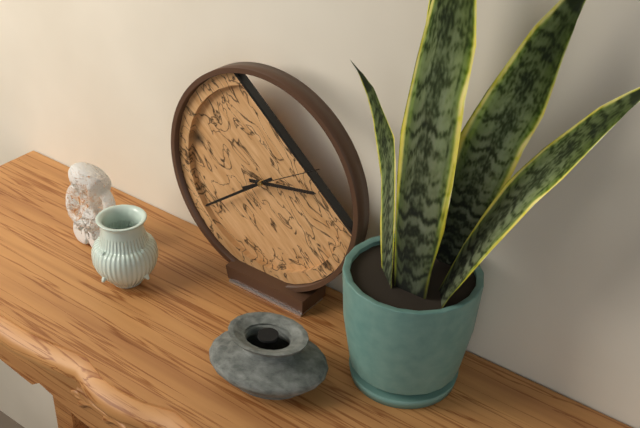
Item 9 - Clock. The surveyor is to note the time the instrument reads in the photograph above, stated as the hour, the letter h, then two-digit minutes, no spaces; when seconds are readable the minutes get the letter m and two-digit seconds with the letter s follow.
2h39m10s
